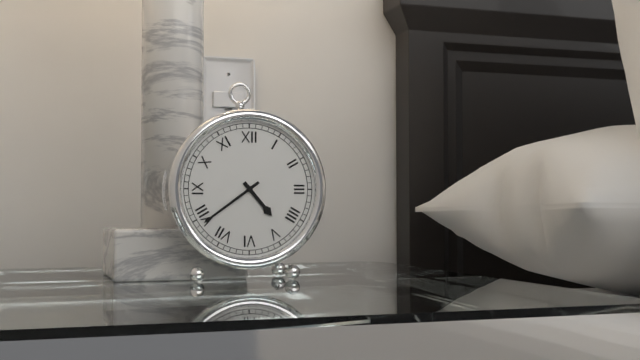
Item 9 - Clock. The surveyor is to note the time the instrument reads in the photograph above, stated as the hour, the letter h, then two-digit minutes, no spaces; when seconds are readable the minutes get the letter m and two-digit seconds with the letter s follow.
4h39
